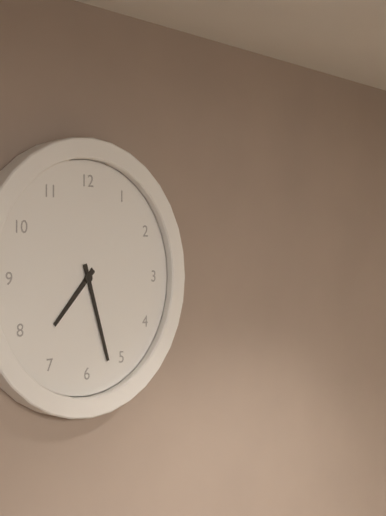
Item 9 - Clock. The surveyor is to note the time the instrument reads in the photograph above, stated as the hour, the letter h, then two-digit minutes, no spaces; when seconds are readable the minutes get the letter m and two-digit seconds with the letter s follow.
7h27
